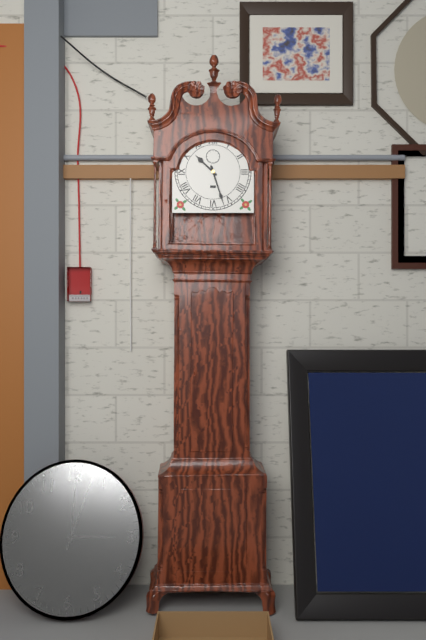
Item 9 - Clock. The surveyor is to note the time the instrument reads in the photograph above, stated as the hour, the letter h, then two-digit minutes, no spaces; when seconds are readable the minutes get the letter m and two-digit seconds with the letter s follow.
10h27
